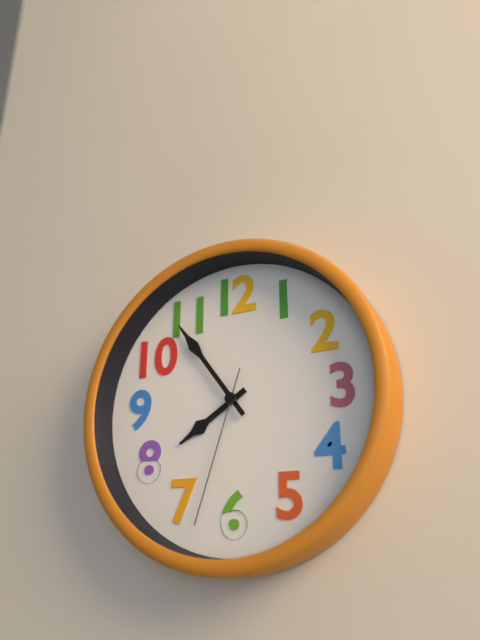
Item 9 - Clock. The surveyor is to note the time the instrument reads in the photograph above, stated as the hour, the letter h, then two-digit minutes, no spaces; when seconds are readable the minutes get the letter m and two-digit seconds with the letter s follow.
7h54m33s
